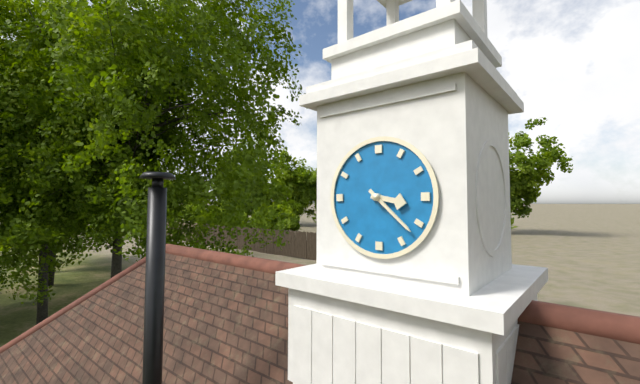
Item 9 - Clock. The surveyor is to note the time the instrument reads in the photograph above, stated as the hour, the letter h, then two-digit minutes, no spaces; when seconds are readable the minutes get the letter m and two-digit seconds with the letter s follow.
3h22
